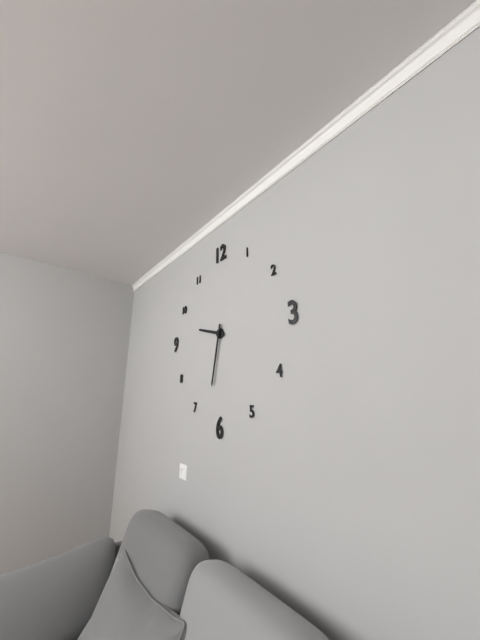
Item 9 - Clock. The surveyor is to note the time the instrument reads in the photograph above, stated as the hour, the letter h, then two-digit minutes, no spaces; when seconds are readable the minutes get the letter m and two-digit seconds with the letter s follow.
9h32
